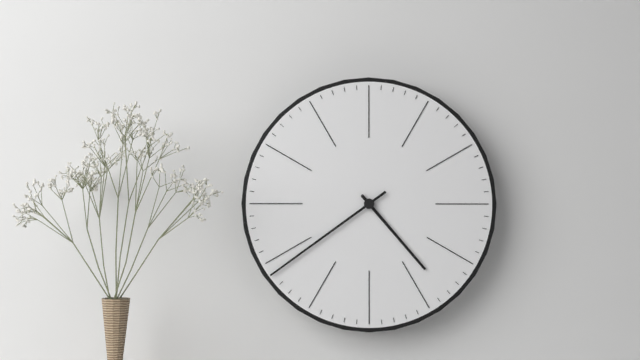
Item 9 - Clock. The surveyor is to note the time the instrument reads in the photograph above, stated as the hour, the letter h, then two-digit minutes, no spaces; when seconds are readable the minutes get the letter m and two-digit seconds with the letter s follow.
4h39
